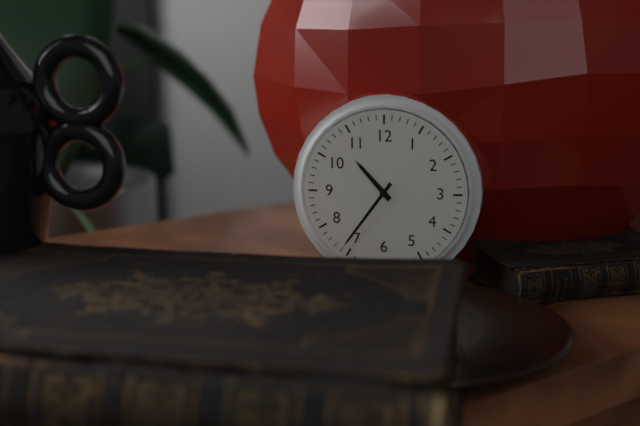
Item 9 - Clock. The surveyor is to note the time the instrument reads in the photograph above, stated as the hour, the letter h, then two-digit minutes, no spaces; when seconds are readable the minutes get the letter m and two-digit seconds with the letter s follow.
10h36
